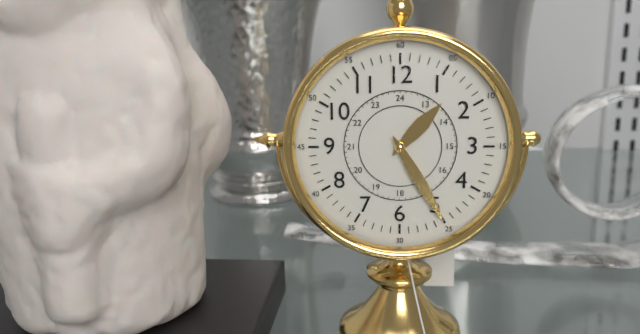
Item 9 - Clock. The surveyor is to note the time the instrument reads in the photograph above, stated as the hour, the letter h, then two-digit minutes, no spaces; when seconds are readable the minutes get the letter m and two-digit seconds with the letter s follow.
1h25
